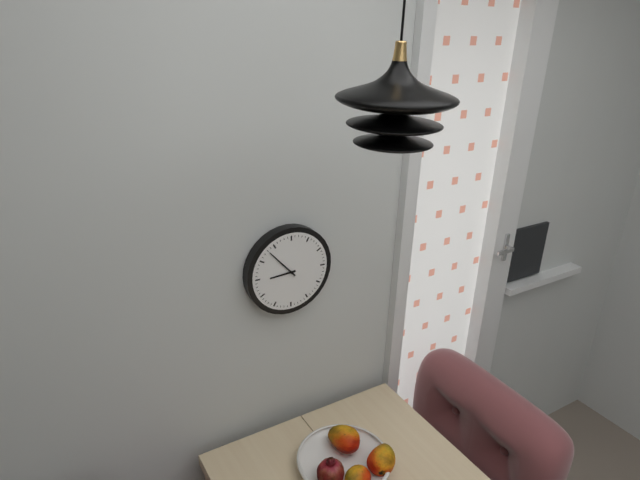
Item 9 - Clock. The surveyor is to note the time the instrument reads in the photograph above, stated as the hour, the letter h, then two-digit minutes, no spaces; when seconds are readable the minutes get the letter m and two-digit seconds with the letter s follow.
8h53
